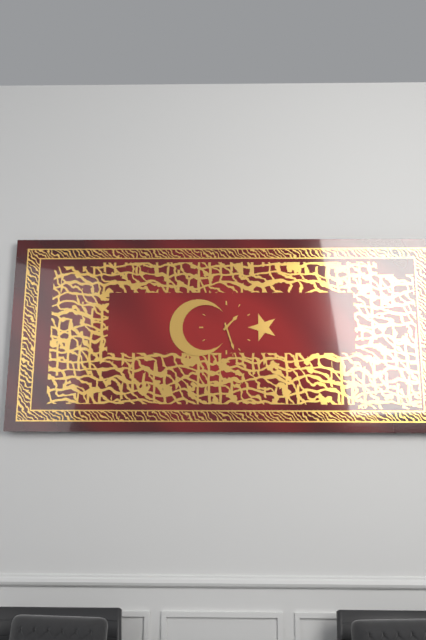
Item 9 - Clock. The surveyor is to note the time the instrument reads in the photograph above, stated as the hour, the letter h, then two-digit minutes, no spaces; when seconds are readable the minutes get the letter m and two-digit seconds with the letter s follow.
1h27
